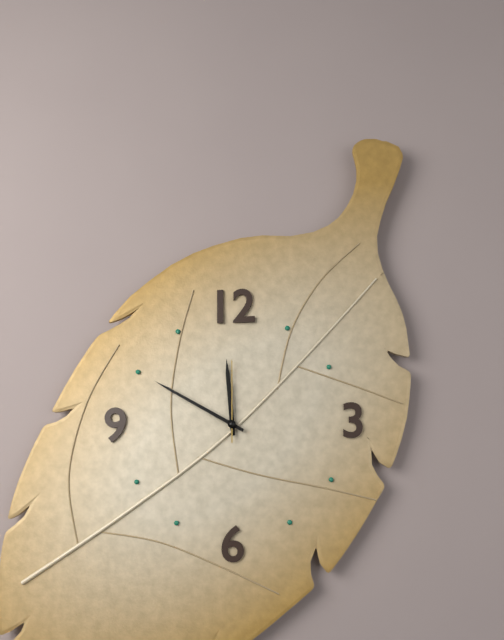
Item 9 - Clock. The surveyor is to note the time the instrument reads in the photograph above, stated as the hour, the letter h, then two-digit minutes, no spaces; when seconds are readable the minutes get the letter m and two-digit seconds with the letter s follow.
11h50m00s
